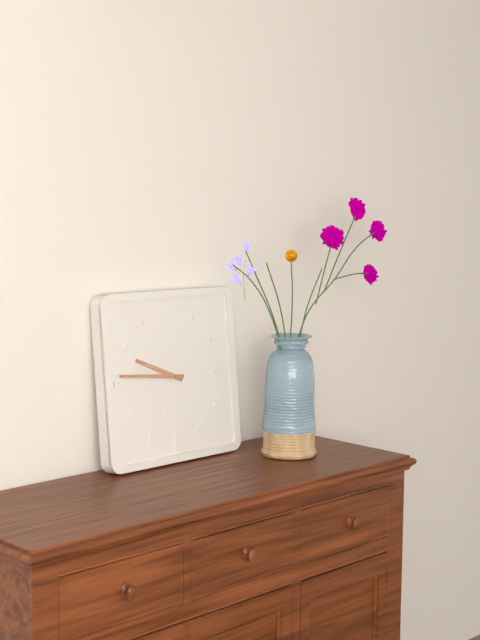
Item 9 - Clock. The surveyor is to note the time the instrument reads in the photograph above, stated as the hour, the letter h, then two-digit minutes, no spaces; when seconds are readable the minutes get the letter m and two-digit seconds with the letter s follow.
9h46
